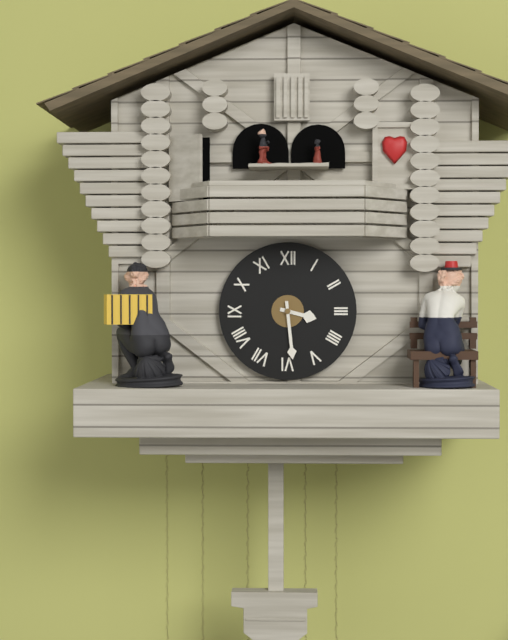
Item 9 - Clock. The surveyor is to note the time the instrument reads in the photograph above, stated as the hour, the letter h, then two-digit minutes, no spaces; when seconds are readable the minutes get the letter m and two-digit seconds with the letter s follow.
3h29
